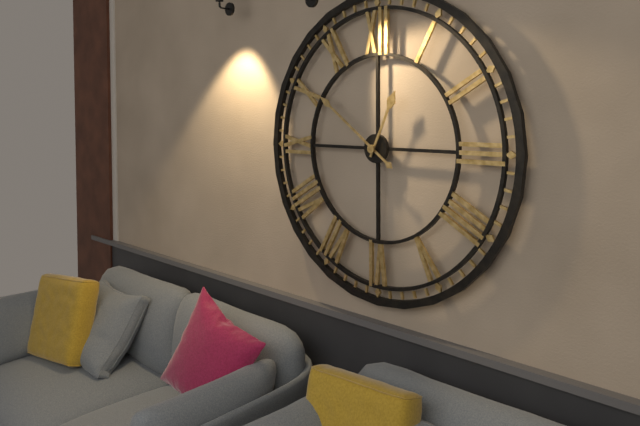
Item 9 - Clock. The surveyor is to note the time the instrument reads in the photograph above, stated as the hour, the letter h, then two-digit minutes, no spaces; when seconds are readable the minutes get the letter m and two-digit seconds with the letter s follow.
12h51
